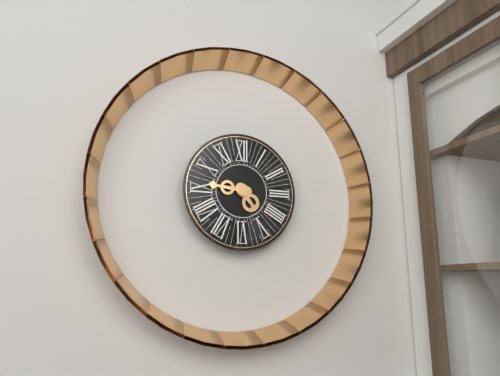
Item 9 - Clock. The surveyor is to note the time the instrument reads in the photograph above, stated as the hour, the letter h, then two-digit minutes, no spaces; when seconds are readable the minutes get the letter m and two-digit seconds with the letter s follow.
4h46
